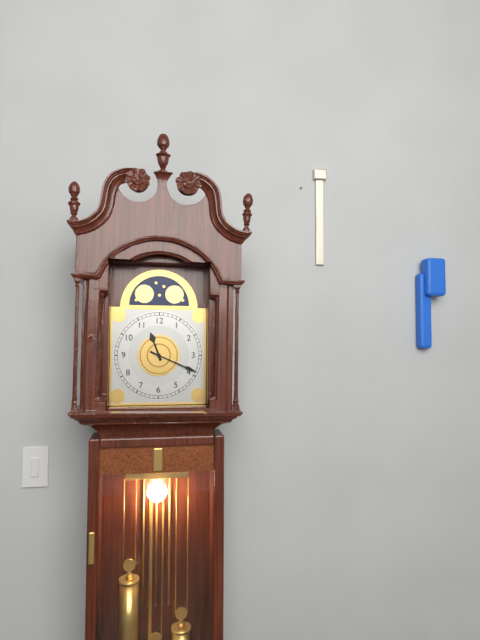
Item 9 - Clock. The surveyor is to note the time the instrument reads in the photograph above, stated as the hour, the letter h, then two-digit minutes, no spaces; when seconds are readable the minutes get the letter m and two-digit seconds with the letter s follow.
11h19
